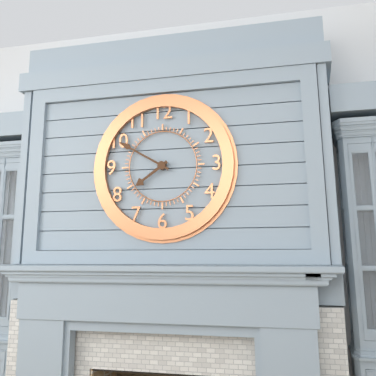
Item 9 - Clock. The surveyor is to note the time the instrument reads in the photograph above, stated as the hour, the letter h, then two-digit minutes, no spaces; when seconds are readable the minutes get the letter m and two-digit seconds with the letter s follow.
7h50
